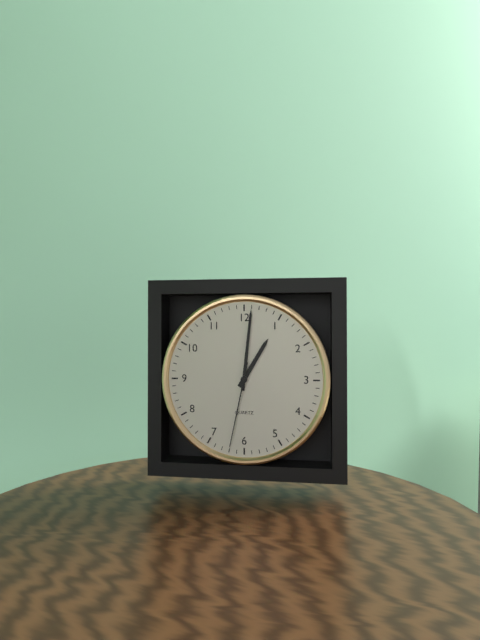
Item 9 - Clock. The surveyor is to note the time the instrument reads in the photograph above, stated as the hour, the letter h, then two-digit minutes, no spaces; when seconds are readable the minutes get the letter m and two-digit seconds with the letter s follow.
1h01m32s
